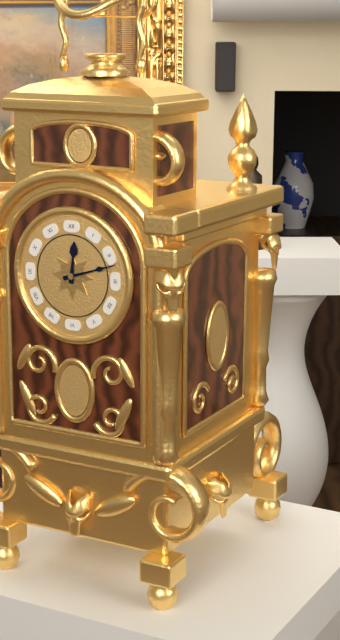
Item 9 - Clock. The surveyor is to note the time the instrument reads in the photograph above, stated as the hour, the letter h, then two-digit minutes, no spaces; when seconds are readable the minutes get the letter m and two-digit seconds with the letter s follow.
12h12
